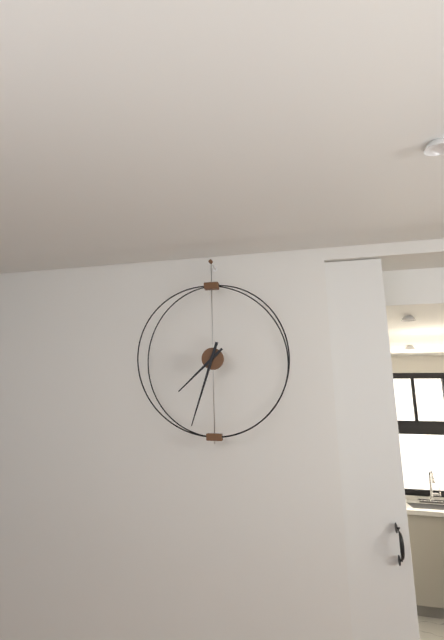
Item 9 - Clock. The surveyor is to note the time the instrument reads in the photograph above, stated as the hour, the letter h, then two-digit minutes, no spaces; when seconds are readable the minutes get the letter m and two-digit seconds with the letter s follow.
7h33
